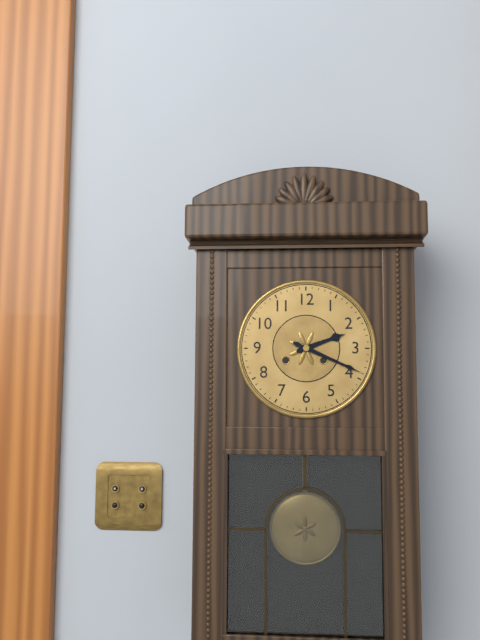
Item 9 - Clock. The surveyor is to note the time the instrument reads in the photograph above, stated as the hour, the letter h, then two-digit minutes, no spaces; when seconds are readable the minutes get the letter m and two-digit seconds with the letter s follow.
2h19
